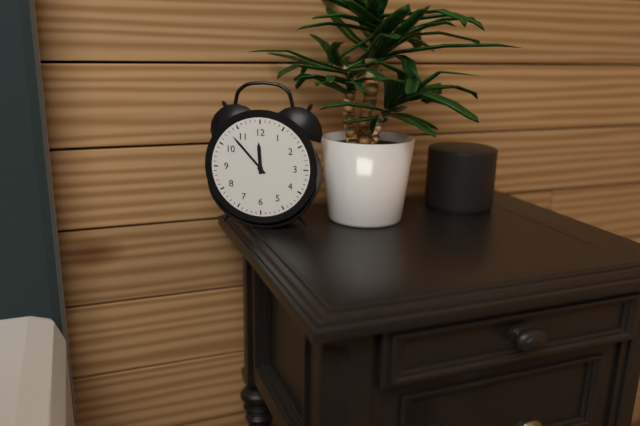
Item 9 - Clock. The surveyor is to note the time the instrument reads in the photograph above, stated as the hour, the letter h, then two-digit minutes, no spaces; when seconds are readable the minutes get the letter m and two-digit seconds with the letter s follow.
11h53
